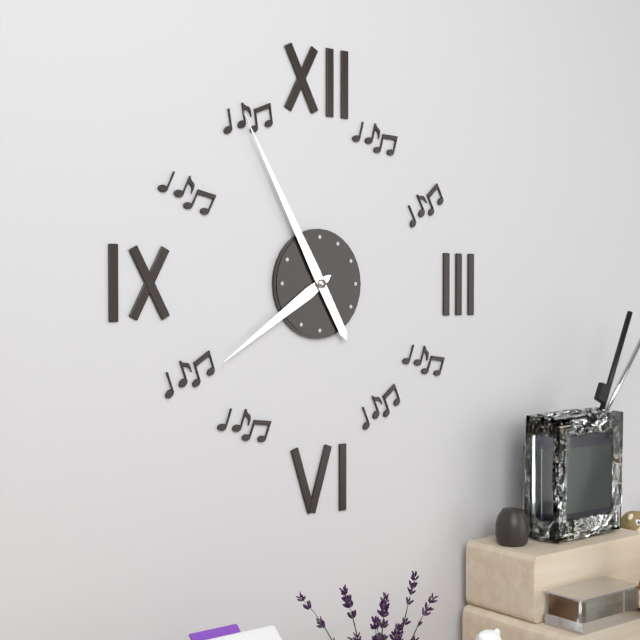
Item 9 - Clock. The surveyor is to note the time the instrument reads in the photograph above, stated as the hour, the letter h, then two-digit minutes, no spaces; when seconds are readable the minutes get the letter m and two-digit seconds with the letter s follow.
7h55
